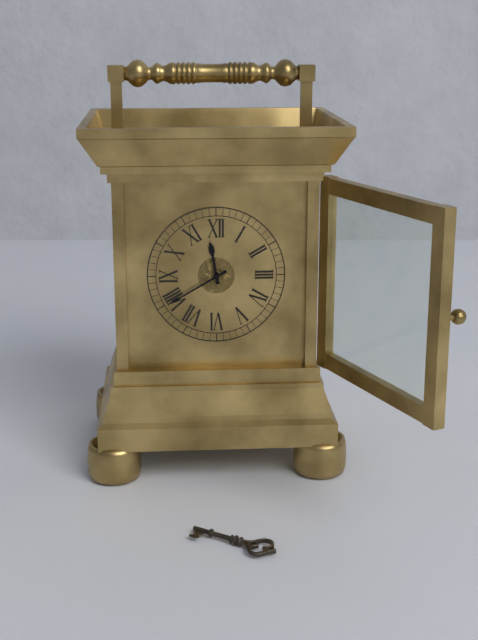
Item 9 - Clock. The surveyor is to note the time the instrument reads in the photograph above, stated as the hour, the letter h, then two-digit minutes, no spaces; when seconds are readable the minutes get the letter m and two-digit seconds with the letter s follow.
11h40
